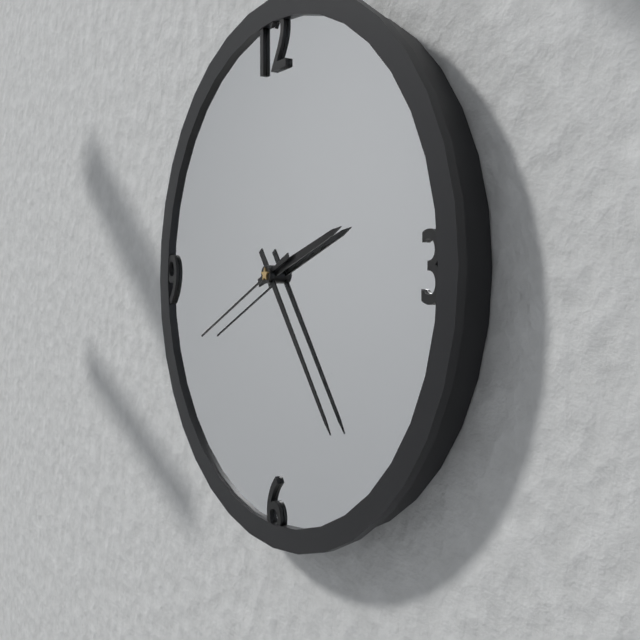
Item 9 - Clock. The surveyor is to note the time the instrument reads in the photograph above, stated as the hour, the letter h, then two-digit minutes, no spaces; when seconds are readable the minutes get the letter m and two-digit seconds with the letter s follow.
2h24m41s
